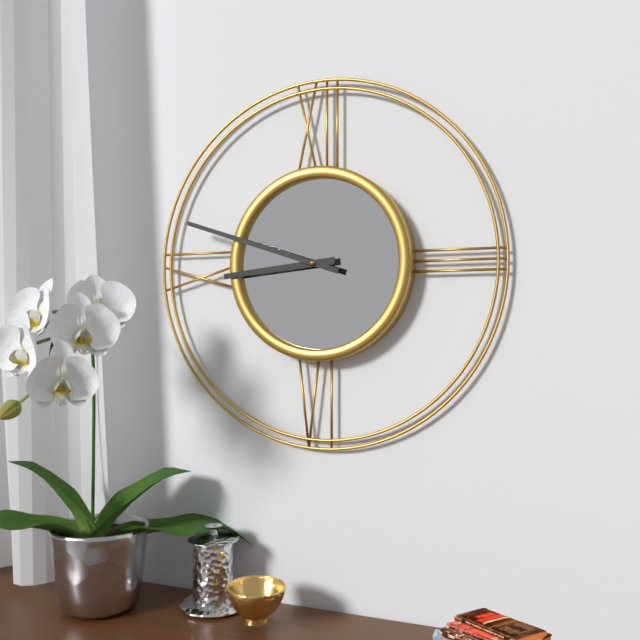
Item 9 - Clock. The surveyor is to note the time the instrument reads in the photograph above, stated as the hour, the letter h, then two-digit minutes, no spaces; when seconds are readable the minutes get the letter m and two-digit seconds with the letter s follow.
8h48
